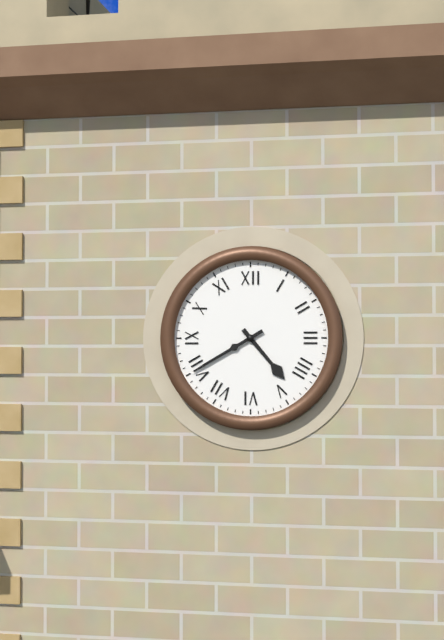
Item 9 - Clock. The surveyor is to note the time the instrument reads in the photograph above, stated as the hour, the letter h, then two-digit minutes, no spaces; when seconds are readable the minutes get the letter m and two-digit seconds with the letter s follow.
4h40
